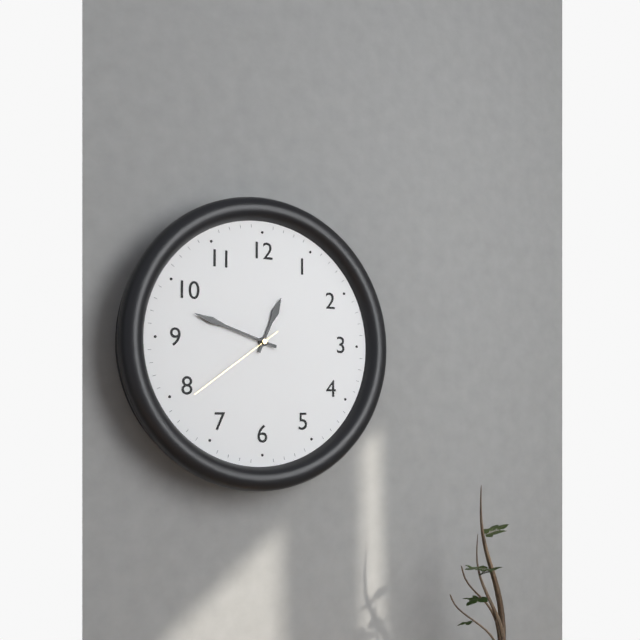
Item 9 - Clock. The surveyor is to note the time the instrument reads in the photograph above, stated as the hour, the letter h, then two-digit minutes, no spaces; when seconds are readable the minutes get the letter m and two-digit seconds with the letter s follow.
12h48m39s
